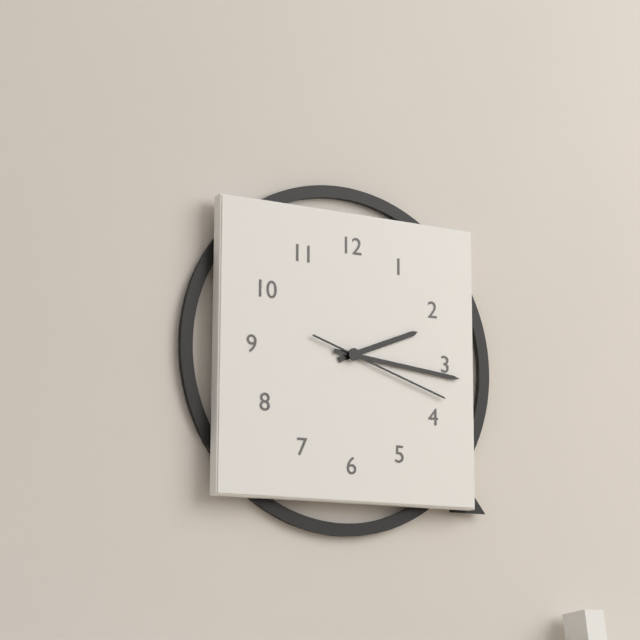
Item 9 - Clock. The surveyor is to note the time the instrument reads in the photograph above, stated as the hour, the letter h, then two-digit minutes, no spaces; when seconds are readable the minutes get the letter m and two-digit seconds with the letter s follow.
2h16m18s
